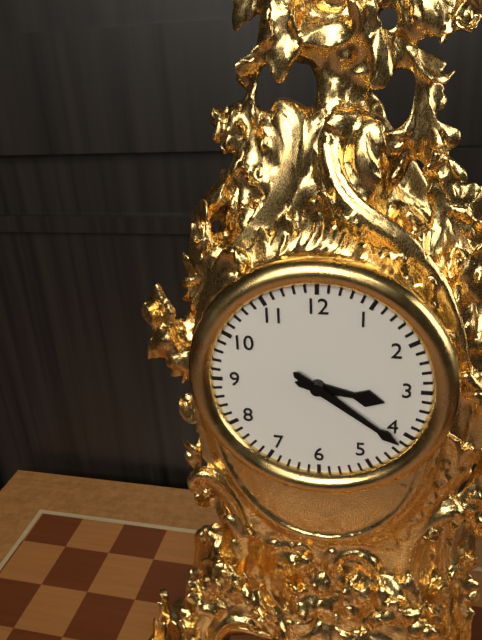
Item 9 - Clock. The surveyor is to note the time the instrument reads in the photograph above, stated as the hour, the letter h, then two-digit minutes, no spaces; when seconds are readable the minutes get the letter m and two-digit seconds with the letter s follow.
3h21
